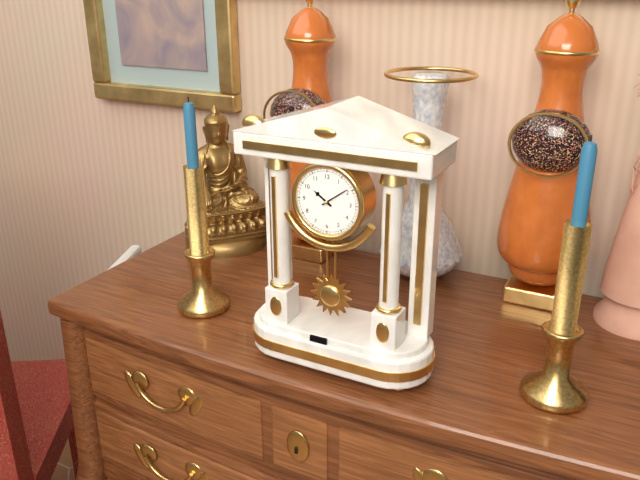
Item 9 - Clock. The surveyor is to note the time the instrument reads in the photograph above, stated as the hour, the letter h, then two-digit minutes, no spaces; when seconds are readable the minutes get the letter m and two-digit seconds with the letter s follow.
10h09
